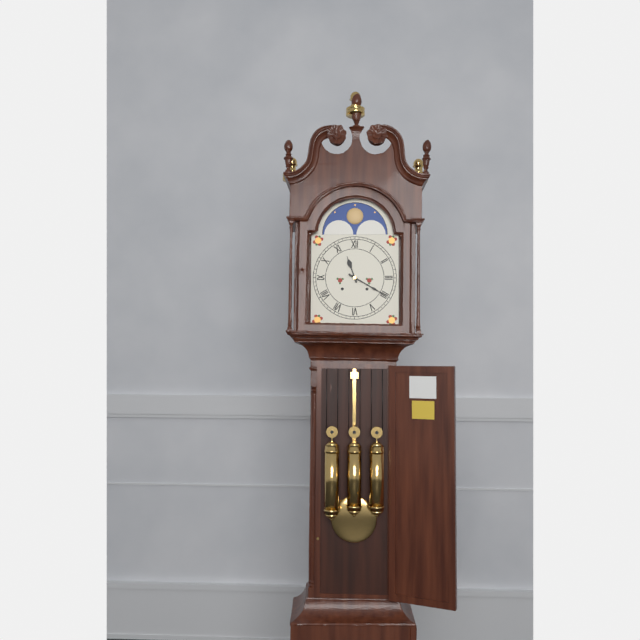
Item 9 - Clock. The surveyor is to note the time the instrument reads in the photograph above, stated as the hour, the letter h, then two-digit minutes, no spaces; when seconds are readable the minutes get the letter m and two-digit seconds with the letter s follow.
11h20
